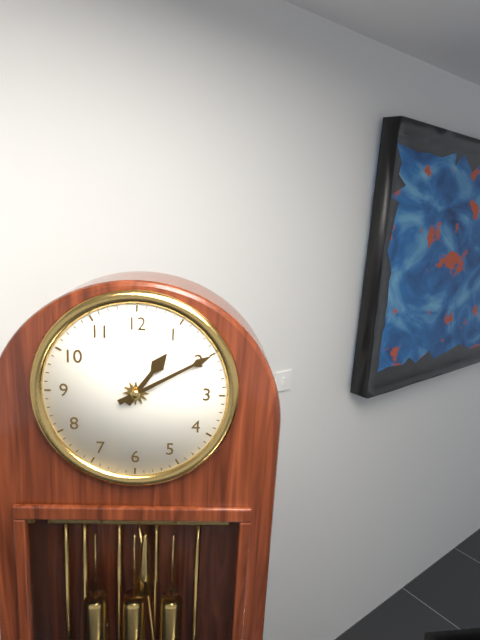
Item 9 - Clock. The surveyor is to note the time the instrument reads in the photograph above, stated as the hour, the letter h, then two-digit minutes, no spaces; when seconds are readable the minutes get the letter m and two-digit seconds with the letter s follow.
1h10
